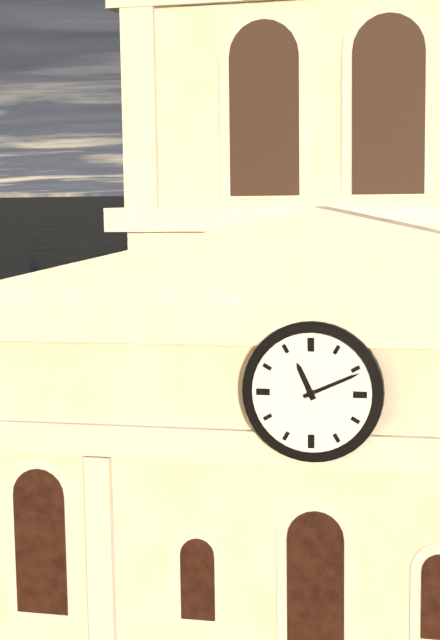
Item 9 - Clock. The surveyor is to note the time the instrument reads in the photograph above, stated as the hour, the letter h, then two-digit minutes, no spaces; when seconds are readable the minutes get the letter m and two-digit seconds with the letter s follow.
11h11
